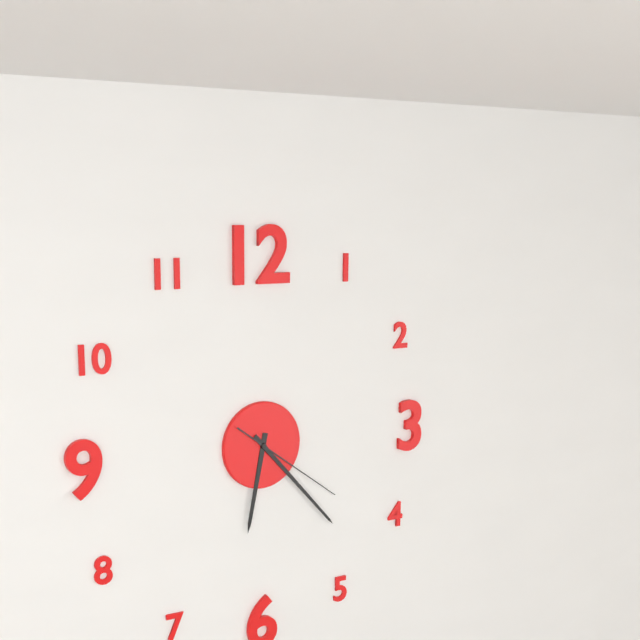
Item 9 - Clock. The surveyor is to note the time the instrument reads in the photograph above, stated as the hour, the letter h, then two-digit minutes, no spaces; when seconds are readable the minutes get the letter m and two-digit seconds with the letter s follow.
6h23m21s
